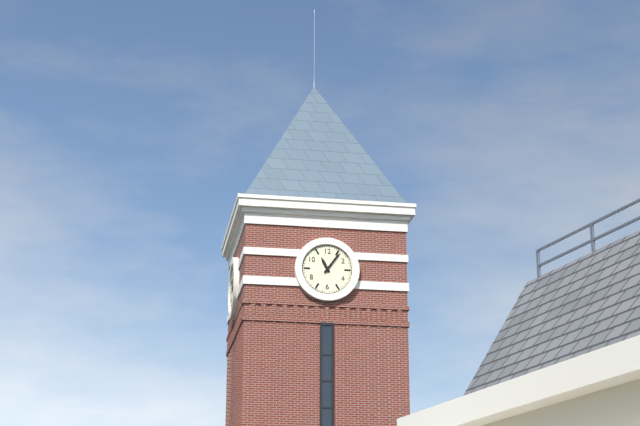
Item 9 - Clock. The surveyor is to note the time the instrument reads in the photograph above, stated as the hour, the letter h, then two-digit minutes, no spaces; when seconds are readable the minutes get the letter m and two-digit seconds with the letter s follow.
11h06
